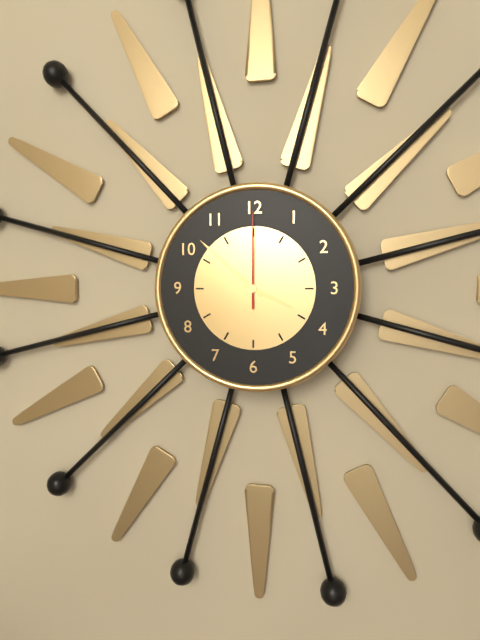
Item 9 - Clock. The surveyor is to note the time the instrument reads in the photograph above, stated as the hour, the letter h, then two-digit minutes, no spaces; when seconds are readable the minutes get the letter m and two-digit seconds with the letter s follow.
3h52m00s
